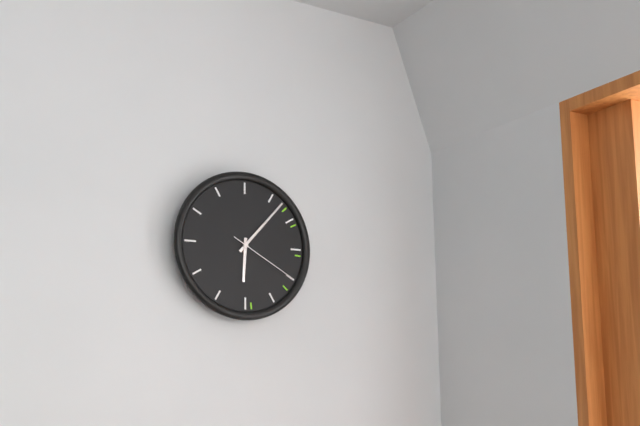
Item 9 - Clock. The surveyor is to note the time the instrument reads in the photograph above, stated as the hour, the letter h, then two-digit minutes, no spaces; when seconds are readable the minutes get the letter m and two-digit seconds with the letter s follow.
6h07m20s
